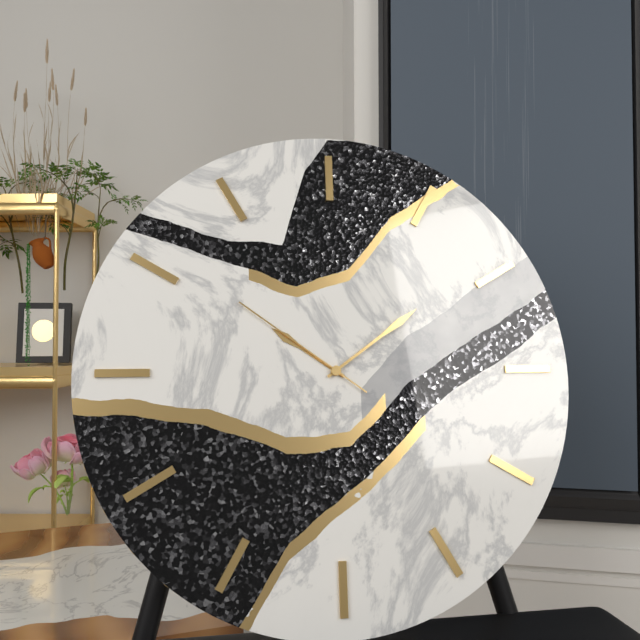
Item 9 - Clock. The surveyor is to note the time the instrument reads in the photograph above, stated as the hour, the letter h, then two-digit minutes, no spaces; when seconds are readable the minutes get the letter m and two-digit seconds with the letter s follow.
10h09m51s
